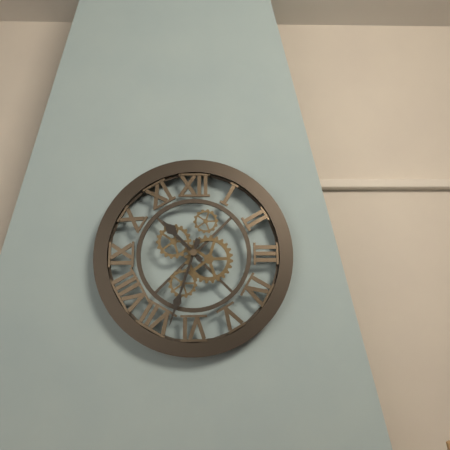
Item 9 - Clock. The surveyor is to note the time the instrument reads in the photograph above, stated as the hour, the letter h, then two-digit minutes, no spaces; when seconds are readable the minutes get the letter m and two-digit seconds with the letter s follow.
10h33
